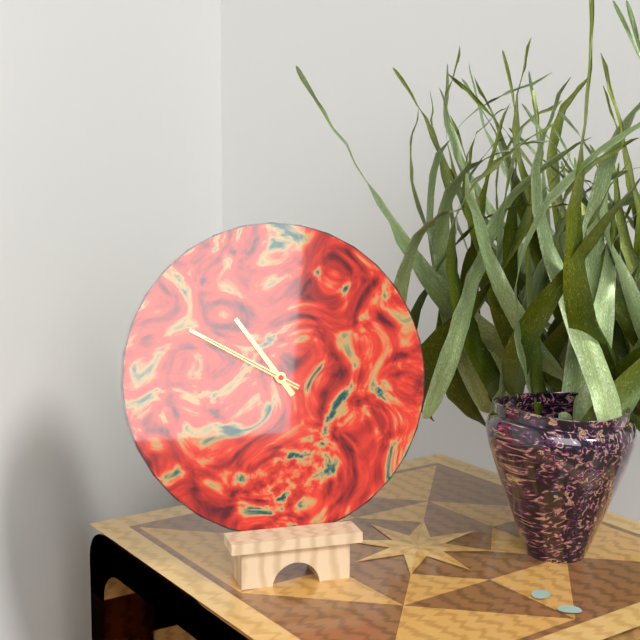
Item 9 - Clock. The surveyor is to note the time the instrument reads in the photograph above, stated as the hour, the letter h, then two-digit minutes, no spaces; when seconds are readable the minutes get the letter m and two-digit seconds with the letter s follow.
10h50m50s
